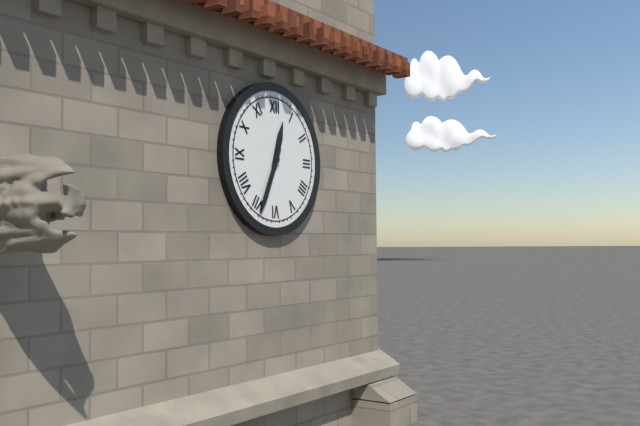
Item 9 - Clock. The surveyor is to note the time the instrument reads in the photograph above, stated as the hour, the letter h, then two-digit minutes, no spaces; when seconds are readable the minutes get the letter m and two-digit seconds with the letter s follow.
12h34
